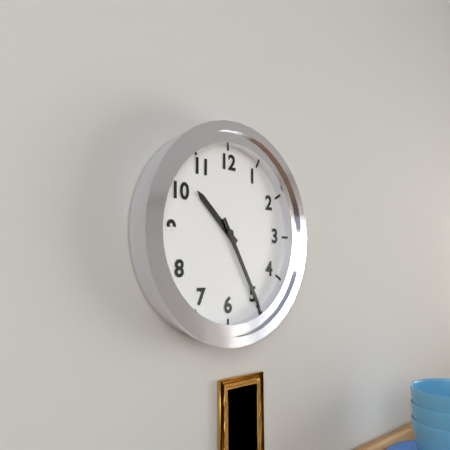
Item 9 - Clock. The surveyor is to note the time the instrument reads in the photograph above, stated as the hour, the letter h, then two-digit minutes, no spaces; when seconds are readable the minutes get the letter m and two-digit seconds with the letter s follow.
10h25
